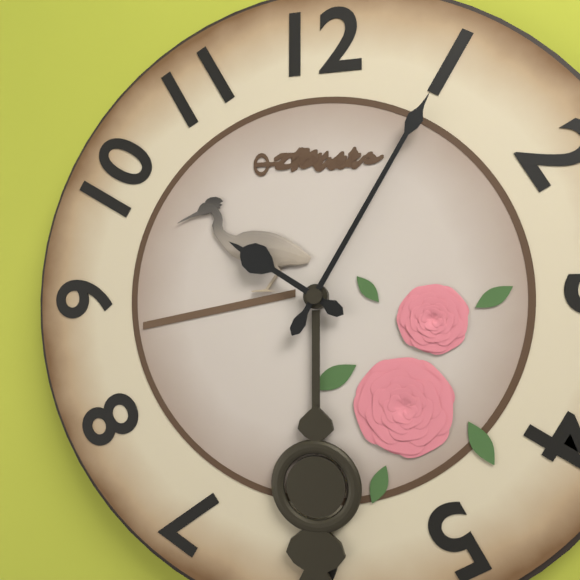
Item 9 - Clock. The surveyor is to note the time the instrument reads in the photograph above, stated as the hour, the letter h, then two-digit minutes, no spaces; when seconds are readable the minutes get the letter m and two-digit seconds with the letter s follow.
10h05
